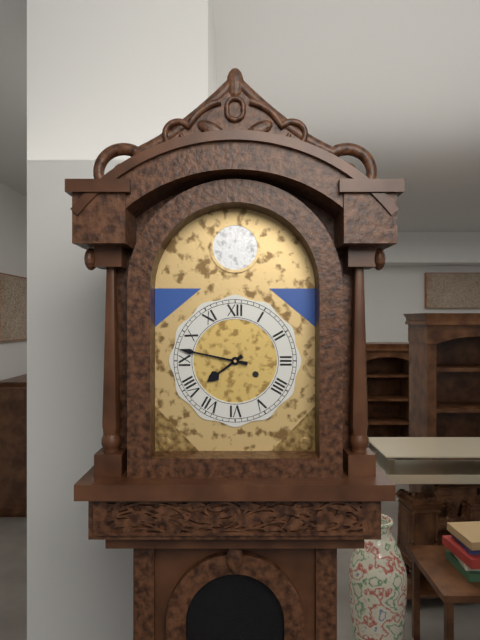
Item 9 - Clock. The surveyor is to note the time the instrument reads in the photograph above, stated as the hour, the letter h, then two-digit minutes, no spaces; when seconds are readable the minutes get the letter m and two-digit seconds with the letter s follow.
7h47
